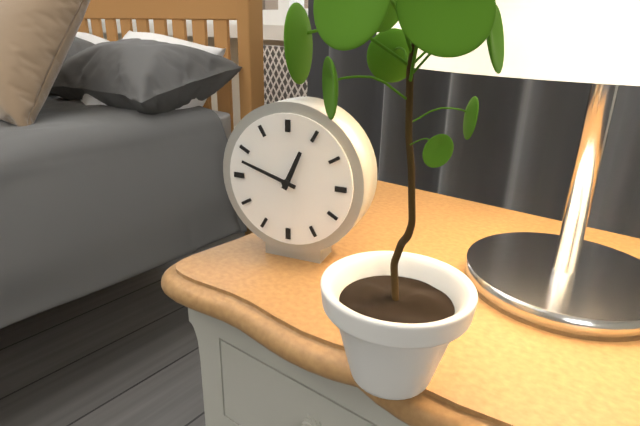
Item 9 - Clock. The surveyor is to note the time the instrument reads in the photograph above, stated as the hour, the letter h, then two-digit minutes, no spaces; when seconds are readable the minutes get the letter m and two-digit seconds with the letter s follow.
12h48
